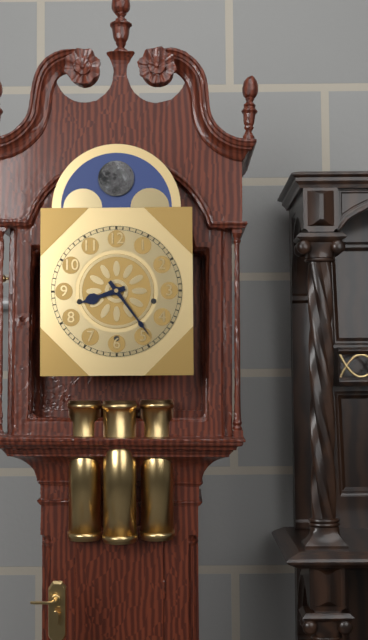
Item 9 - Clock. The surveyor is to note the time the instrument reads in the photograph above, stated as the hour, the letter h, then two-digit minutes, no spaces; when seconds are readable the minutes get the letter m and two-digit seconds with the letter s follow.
8h24
